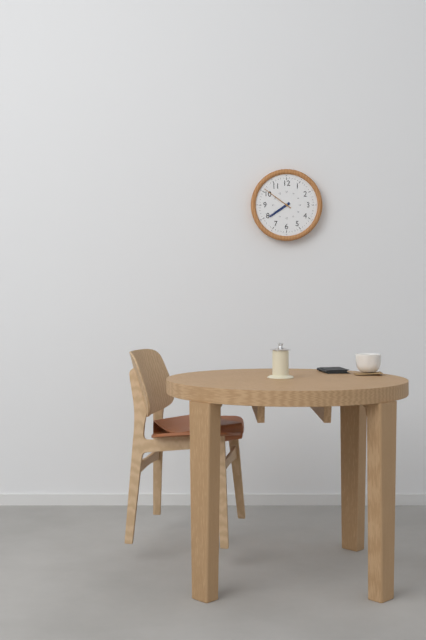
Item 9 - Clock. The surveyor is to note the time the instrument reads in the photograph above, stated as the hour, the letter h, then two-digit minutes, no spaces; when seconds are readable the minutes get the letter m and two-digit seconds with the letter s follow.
7h51
